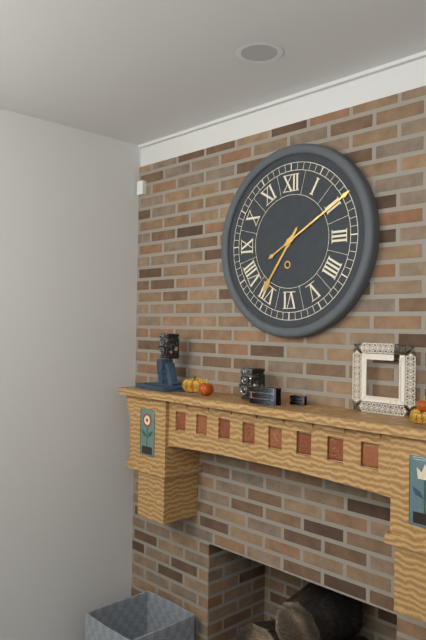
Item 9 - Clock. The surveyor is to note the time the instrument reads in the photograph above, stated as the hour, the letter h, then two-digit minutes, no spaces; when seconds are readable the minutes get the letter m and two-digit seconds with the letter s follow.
7h10
